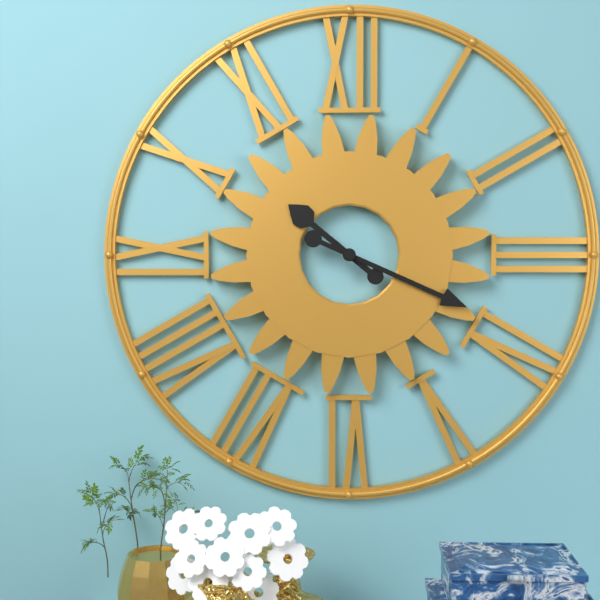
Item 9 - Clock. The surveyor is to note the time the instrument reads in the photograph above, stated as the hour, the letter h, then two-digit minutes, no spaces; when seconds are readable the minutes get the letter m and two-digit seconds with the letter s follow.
10h19
